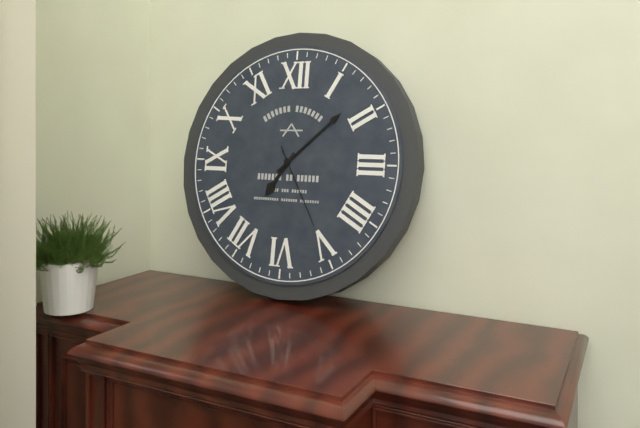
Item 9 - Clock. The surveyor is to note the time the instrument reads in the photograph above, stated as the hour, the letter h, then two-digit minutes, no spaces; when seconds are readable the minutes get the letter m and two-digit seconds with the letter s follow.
7h08m25s
